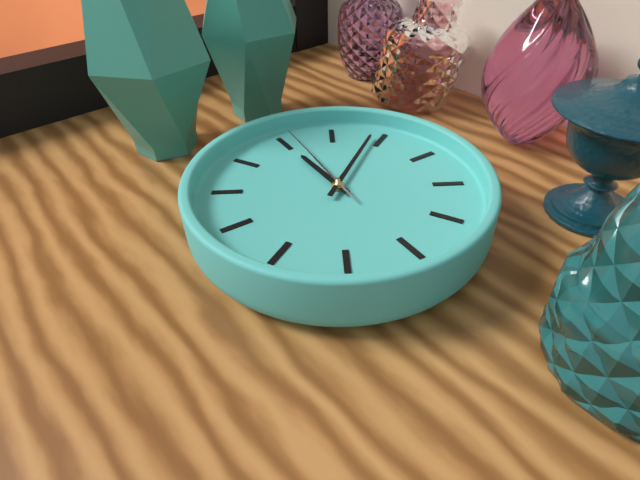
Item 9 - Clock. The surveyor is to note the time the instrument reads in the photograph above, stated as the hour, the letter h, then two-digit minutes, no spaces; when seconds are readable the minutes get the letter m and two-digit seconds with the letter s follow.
9h59m51s
